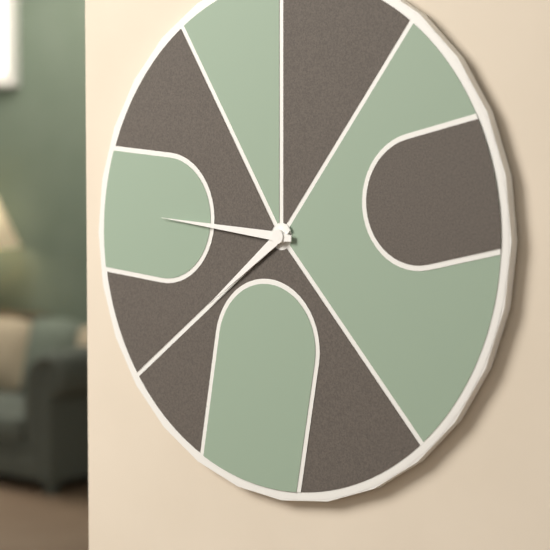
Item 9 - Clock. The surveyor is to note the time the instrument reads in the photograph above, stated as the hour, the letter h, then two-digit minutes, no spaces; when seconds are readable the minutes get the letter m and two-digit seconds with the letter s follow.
7h46
